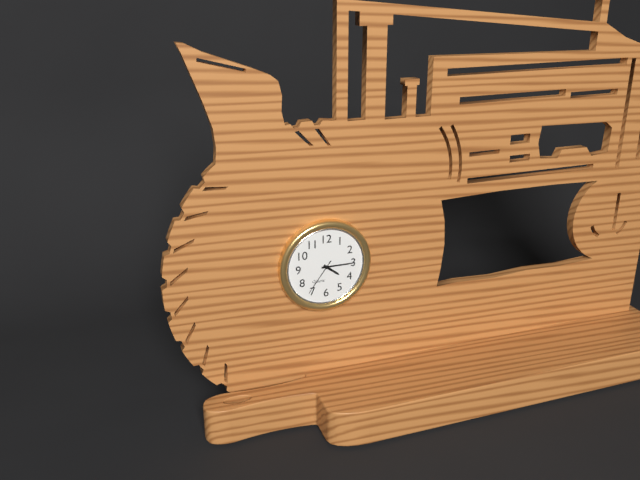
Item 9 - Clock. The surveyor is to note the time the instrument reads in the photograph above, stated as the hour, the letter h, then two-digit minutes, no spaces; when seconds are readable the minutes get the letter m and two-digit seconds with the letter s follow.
4h15
